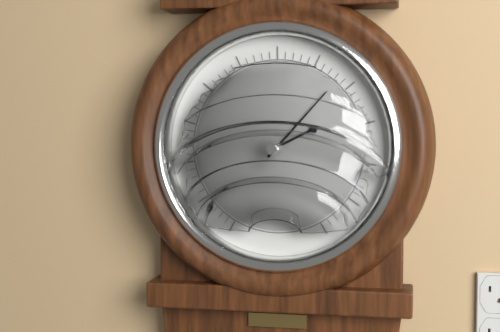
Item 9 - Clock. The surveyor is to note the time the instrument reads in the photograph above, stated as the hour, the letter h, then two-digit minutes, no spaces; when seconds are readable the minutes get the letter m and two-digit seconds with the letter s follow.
2h07
